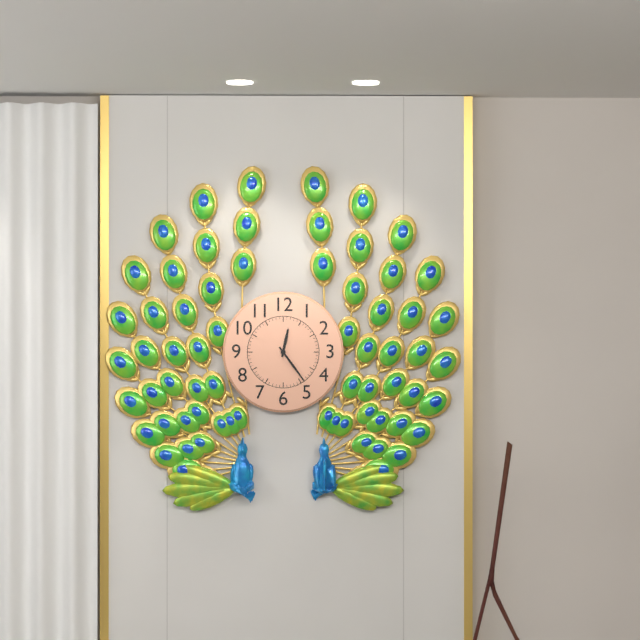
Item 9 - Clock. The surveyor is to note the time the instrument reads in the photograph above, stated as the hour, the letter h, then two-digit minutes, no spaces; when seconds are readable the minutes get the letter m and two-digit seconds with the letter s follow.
12h24
